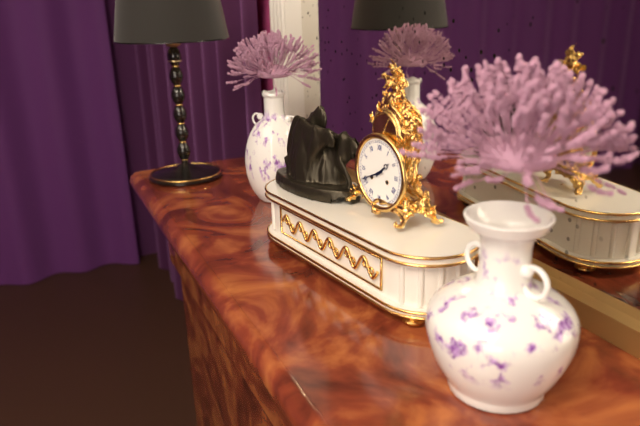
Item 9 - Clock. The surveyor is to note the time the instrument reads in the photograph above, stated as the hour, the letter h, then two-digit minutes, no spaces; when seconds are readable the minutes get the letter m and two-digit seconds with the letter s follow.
1h41
